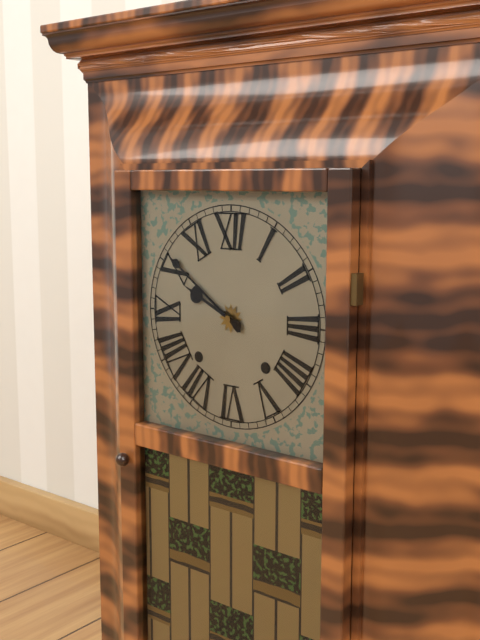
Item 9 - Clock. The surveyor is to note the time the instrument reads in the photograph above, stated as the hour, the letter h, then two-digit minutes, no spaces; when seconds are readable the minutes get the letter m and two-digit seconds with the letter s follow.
9h51
